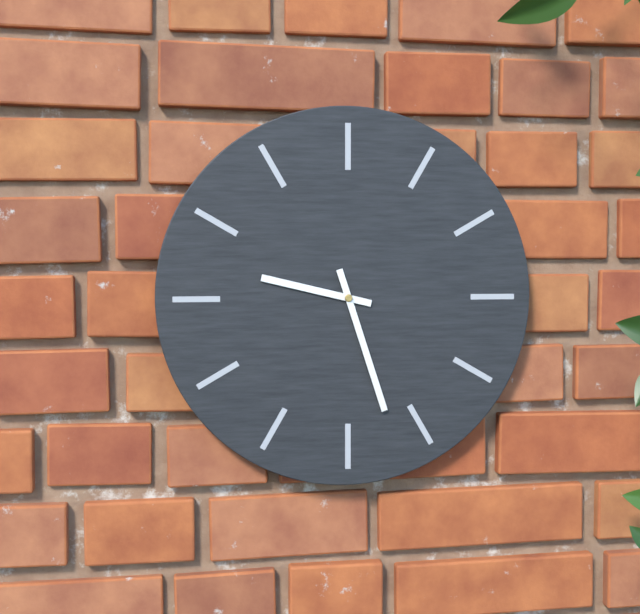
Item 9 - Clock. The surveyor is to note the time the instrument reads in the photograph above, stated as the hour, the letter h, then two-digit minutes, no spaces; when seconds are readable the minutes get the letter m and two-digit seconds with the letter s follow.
9h27
